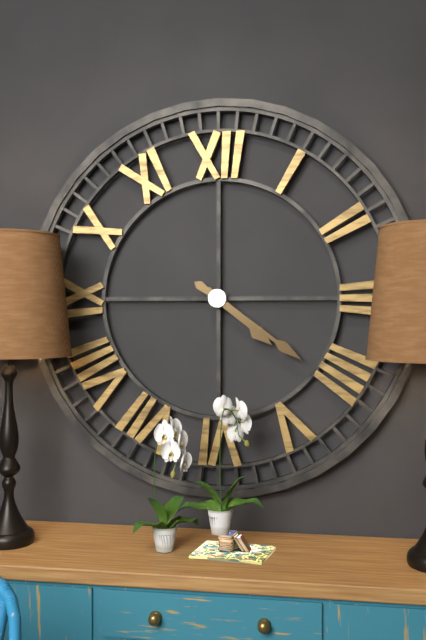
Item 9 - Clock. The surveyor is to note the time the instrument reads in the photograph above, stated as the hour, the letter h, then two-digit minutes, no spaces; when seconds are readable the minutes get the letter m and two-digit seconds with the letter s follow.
4h21
